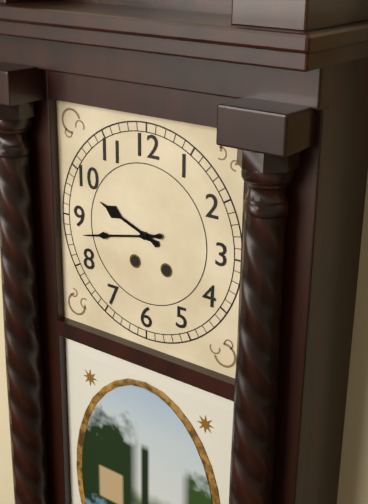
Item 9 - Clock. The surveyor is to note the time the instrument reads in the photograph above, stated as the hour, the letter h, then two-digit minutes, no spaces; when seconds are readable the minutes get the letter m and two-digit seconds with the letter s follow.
9h43
